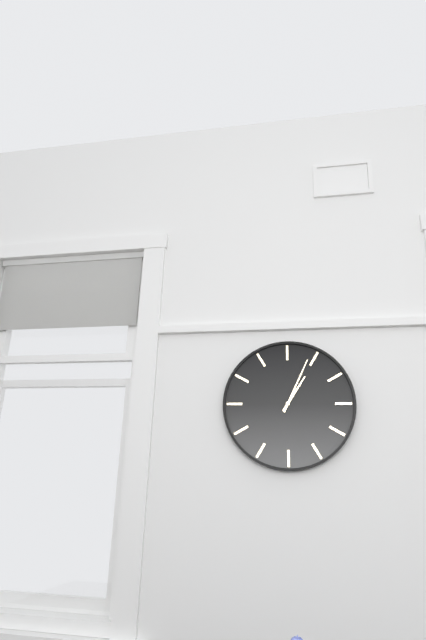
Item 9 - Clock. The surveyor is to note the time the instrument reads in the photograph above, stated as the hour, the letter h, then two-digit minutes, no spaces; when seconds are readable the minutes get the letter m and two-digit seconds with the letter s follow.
1h04
